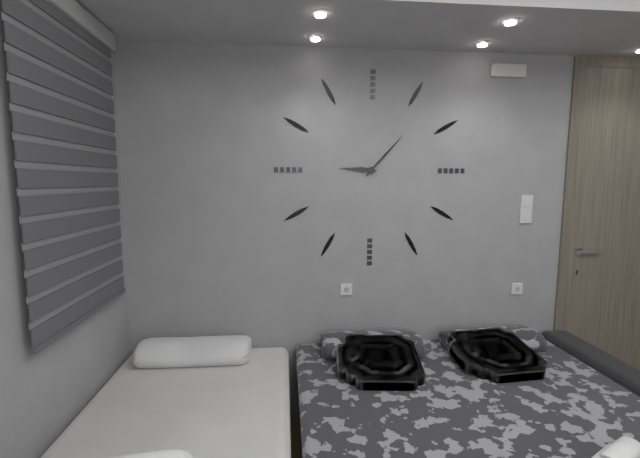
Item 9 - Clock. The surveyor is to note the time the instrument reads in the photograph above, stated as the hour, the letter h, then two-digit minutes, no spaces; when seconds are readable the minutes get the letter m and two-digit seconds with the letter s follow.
9h07
